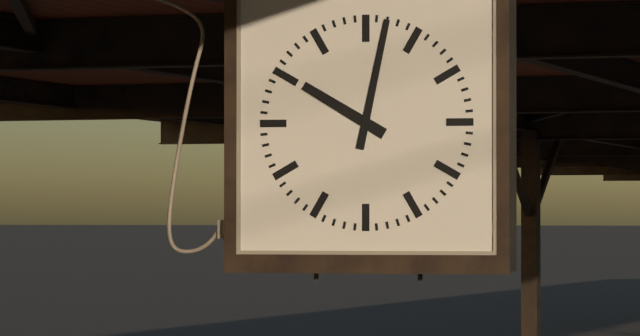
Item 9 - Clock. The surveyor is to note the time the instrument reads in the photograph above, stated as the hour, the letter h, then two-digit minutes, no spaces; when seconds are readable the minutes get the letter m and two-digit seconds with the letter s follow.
10h02
